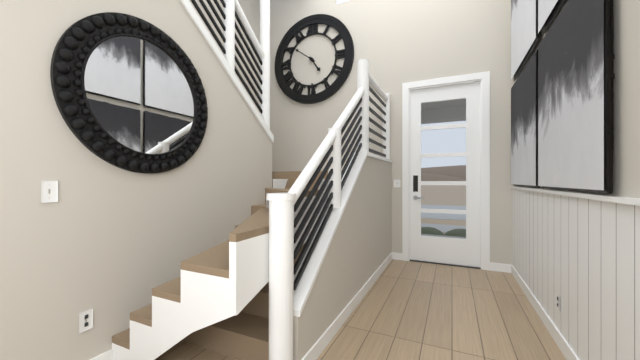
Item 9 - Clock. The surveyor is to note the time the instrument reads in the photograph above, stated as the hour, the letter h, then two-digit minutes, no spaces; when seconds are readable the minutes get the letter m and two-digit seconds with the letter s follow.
4h51
